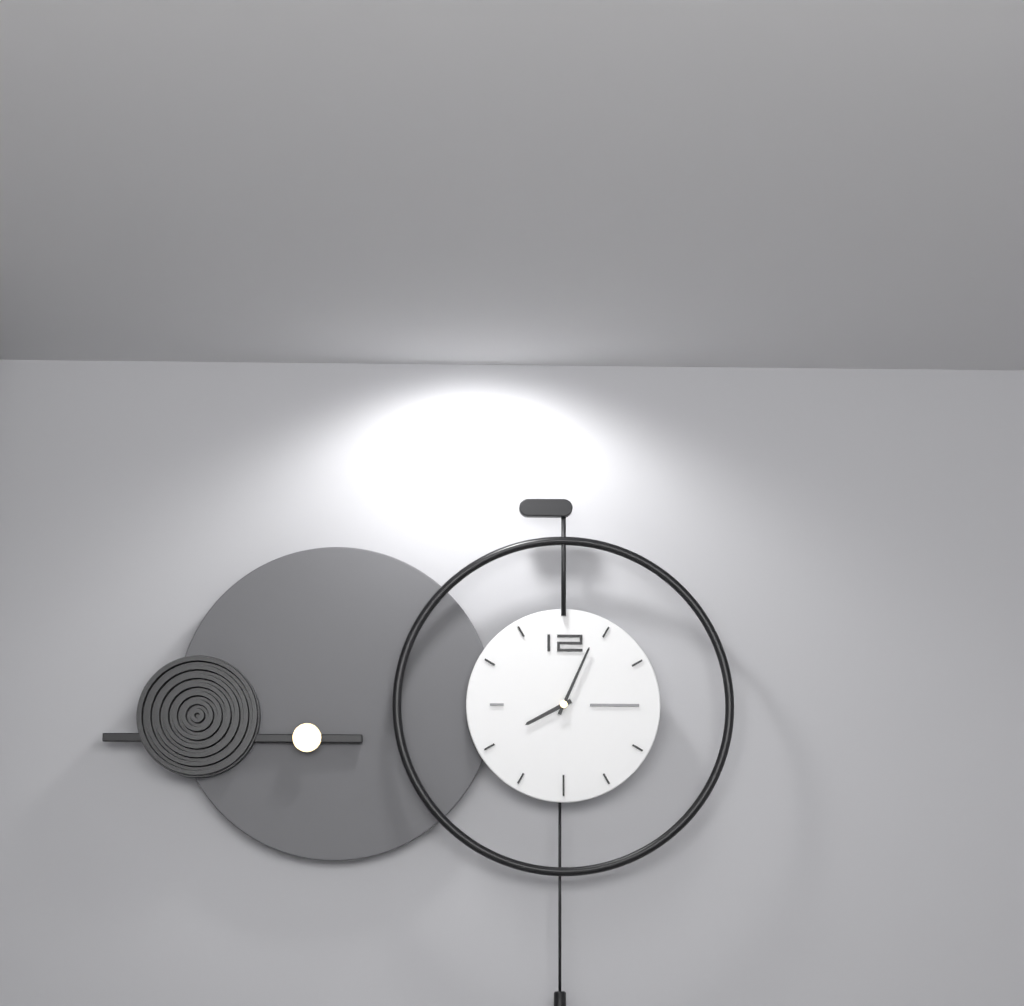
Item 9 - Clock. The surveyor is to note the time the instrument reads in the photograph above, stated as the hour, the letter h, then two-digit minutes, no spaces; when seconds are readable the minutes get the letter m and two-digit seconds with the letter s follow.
8h04
